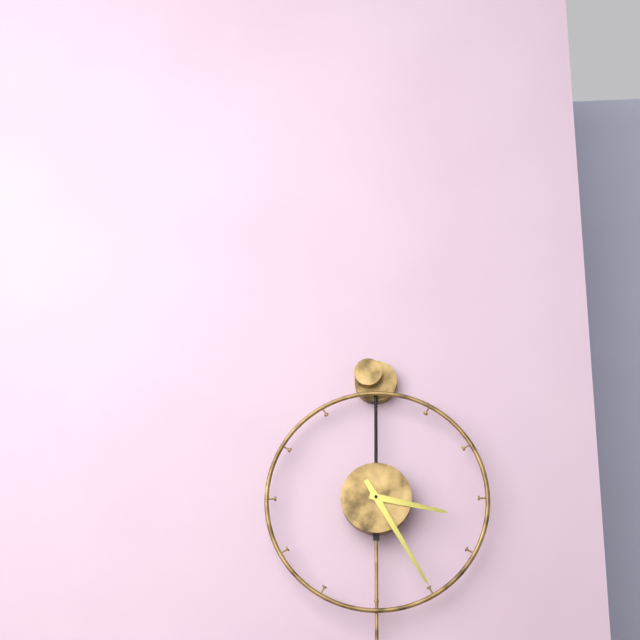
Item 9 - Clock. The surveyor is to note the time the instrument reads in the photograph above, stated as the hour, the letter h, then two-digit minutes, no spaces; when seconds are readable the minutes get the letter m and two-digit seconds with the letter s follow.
3h25
